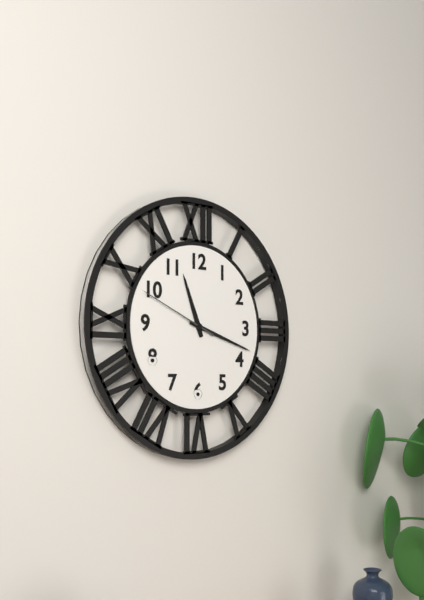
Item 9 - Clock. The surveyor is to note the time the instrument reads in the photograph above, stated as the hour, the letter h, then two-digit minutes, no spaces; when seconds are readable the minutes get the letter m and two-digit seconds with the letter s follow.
11h18m49s
